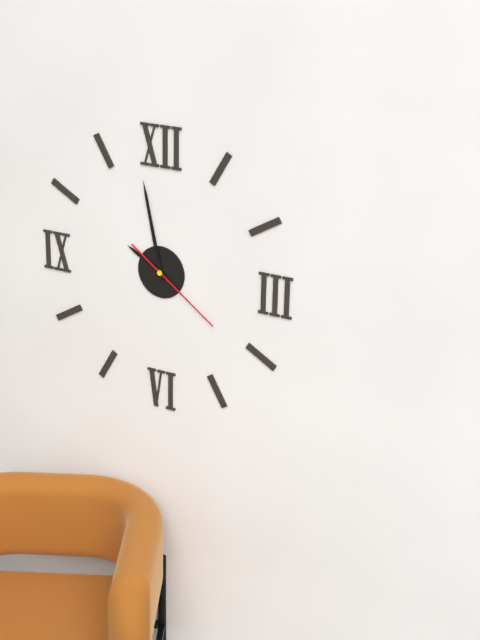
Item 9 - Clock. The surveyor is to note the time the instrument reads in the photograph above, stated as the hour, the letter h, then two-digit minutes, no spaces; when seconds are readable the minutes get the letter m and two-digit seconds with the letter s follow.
9h58m21s
